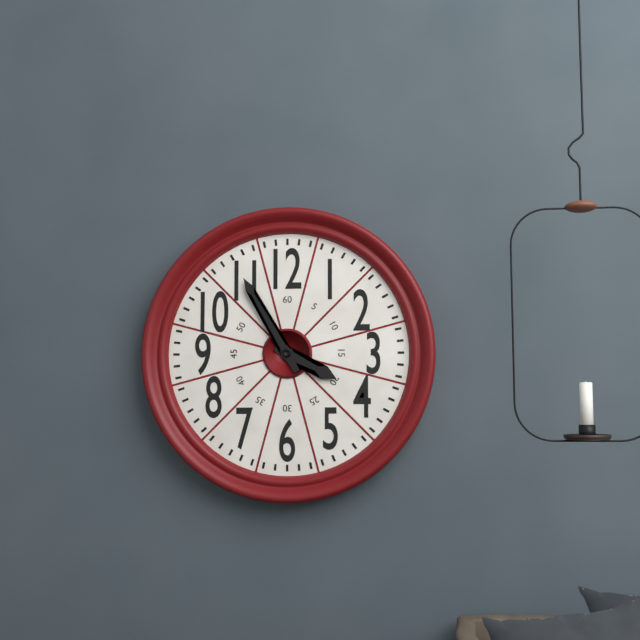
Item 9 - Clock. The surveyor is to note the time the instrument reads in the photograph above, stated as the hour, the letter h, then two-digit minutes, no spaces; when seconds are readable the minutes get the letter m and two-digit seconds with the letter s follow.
3h55
